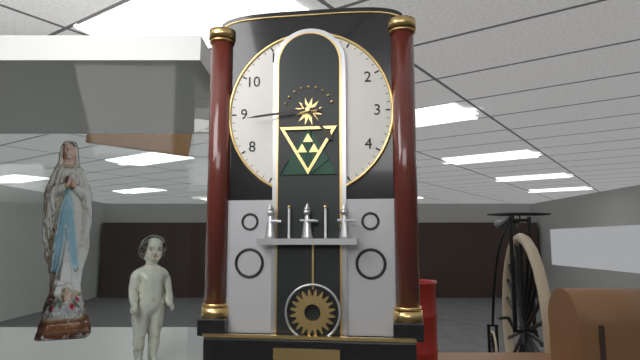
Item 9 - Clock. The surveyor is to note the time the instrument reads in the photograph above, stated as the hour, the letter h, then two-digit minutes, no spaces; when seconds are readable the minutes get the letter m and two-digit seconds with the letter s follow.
4h44
